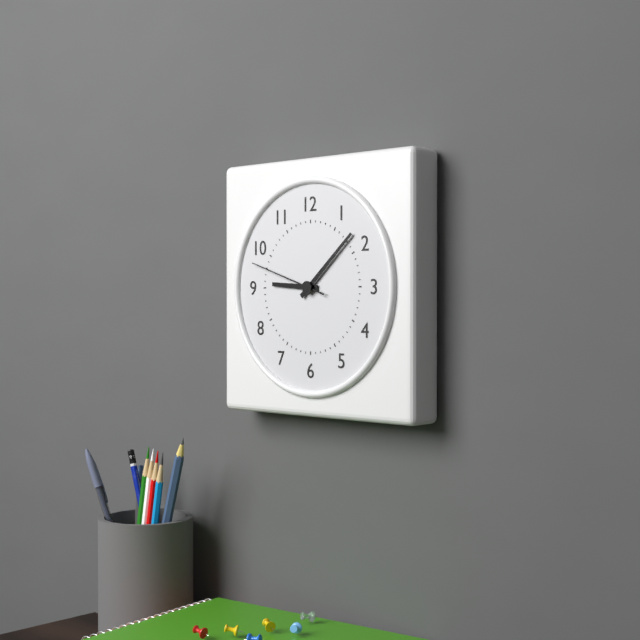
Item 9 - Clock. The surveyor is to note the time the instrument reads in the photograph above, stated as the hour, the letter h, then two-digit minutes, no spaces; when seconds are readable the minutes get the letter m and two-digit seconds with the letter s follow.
9h08m48s
